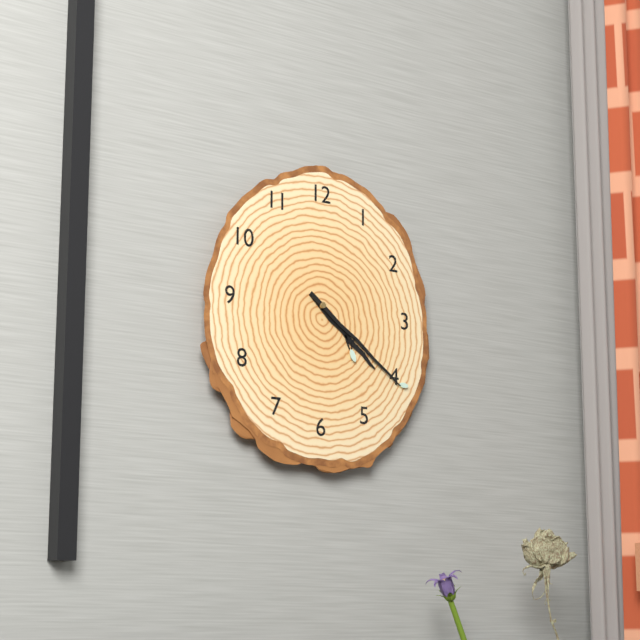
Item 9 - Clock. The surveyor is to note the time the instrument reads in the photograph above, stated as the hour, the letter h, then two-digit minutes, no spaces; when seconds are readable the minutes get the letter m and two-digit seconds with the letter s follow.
4h21
